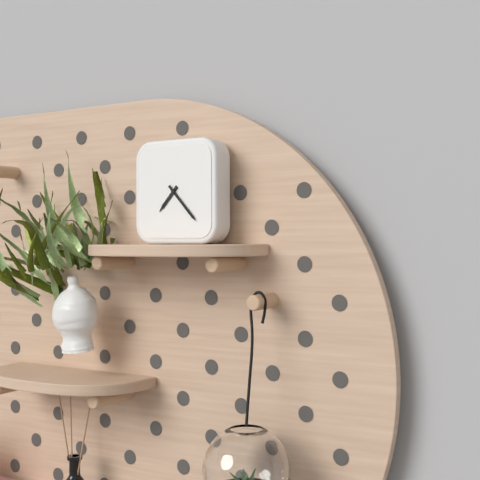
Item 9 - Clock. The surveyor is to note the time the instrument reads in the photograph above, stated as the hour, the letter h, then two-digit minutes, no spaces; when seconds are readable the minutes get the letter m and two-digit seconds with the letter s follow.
7h23
